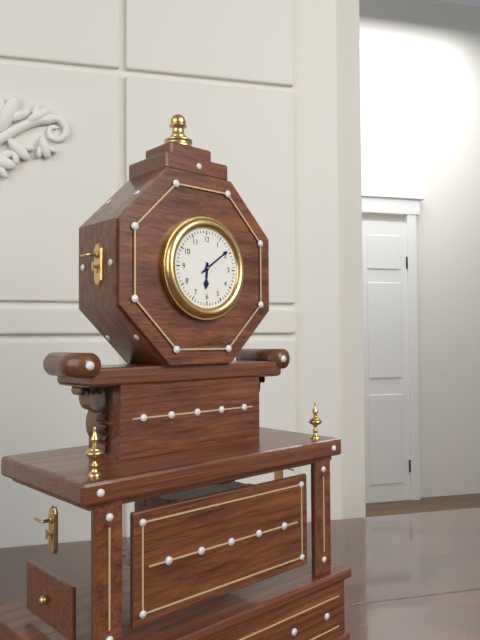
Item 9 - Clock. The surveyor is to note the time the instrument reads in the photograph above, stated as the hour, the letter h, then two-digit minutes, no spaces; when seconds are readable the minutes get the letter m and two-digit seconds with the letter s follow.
6h09
